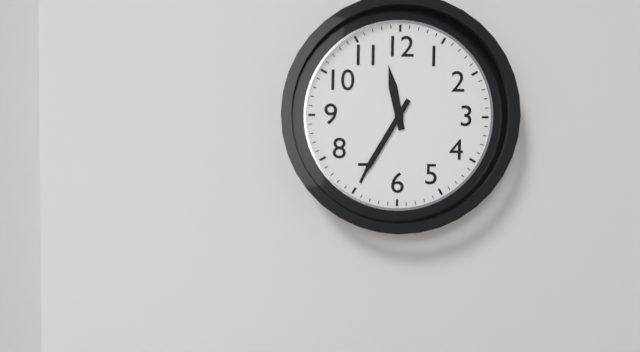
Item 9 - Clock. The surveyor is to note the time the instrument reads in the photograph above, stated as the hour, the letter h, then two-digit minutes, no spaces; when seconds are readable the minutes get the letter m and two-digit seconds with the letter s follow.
11h35
